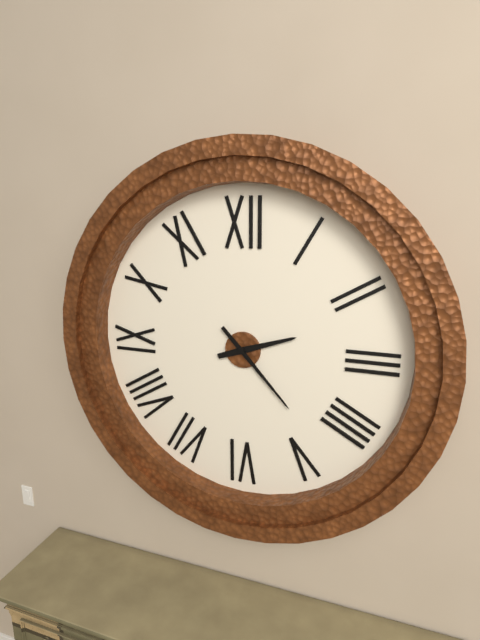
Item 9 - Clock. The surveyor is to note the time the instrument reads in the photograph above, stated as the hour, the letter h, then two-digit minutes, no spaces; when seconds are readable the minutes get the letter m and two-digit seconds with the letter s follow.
2h23
